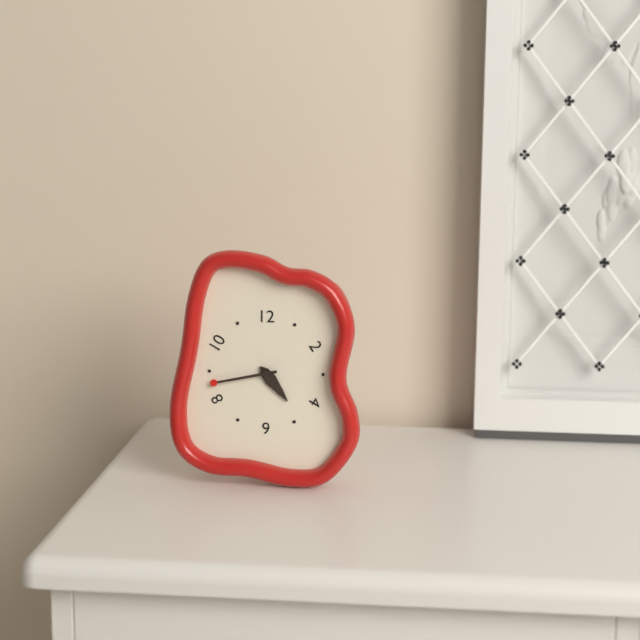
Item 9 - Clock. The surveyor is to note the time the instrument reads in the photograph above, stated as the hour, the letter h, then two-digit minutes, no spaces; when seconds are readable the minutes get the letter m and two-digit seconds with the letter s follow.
4h43
